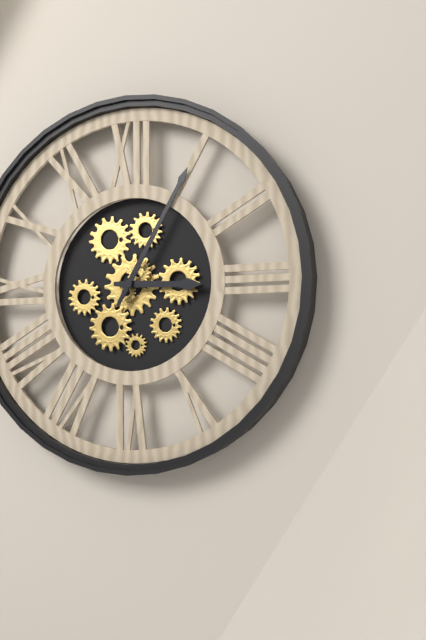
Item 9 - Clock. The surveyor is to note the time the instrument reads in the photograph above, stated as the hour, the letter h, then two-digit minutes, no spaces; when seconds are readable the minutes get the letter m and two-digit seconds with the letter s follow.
3h05
